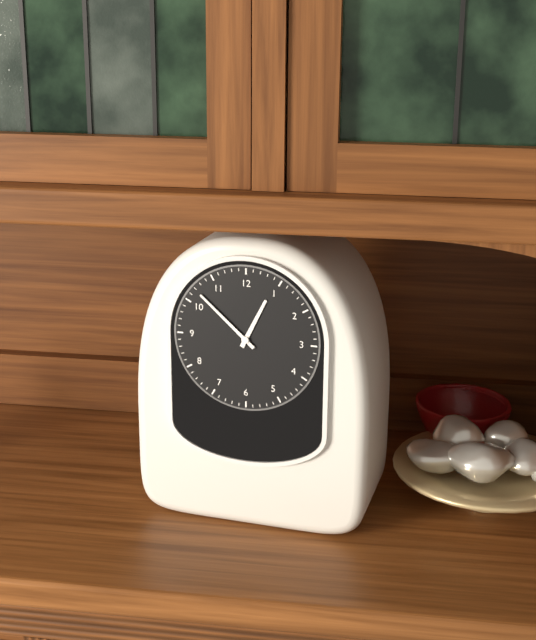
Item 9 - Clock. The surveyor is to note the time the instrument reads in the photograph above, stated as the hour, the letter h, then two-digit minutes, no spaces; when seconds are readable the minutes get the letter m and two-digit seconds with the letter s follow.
12h52
